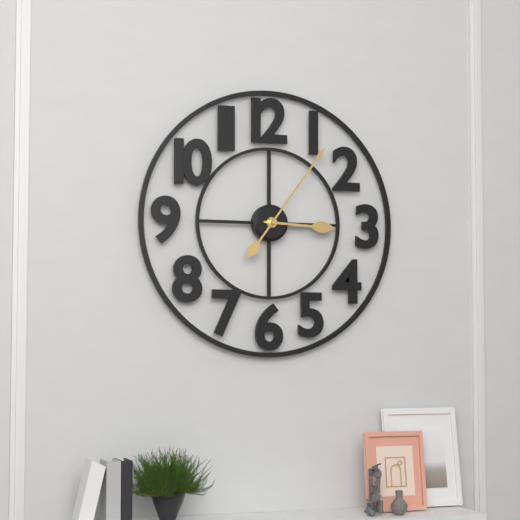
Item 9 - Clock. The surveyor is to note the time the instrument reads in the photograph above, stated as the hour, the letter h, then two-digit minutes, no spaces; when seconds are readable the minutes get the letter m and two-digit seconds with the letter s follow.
3h06
